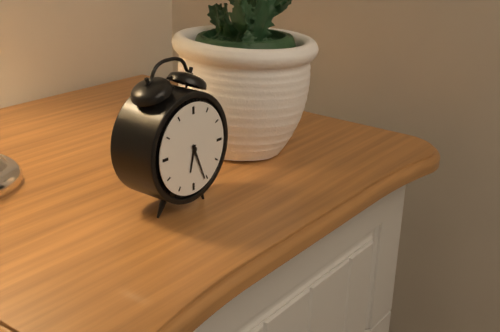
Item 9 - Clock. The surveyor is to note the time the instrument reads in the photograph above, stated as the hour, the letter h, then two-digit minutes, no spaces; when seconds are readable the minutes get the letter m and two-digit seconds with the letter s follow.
6h26
